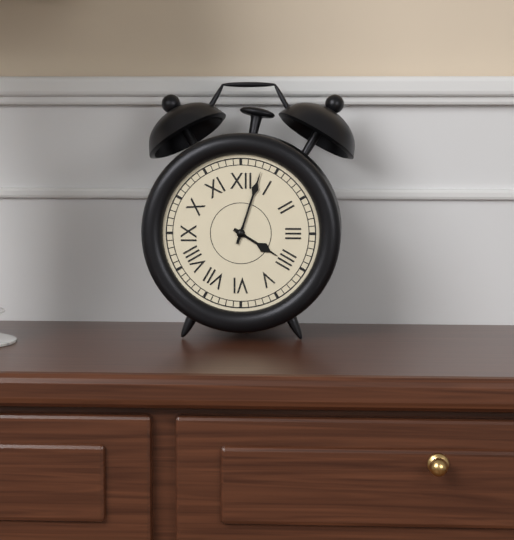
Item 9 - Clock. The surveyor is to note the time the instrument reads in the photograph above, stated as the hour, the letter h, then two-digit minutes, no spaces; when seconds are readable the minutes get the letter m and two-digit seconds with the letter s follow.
4h03
